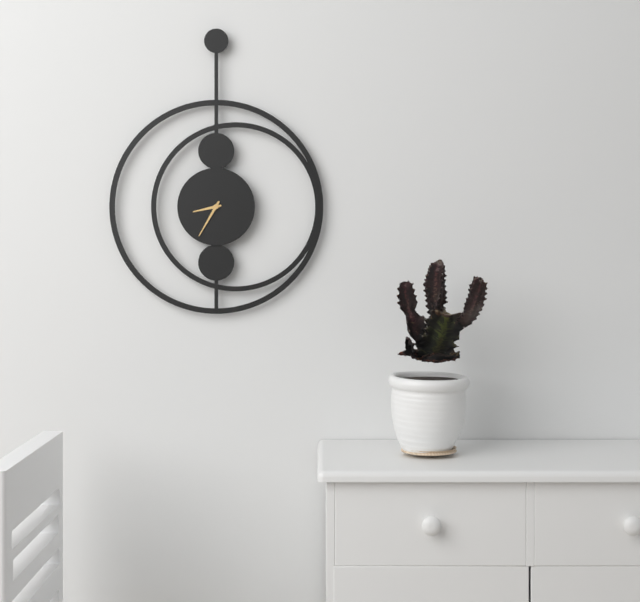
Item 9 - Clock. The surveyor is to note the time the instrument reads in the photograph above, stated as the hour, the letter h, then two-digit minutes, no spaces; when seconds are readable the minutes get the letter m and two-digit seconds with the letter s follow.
8h35
